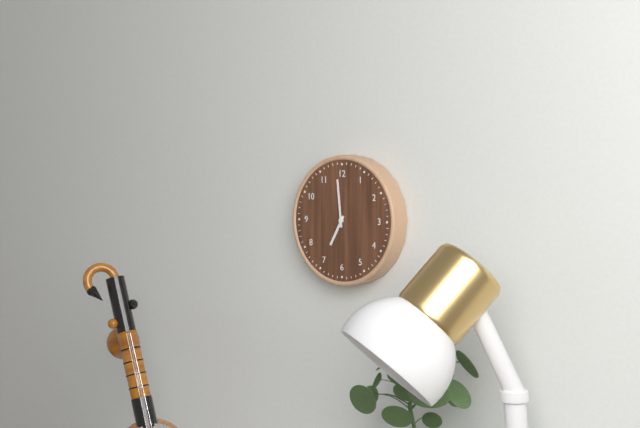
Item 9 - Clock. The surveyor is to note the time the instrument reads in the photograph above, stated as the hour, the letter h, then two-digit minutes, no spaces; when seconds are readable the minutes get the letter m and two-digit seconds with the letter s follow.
6h59
